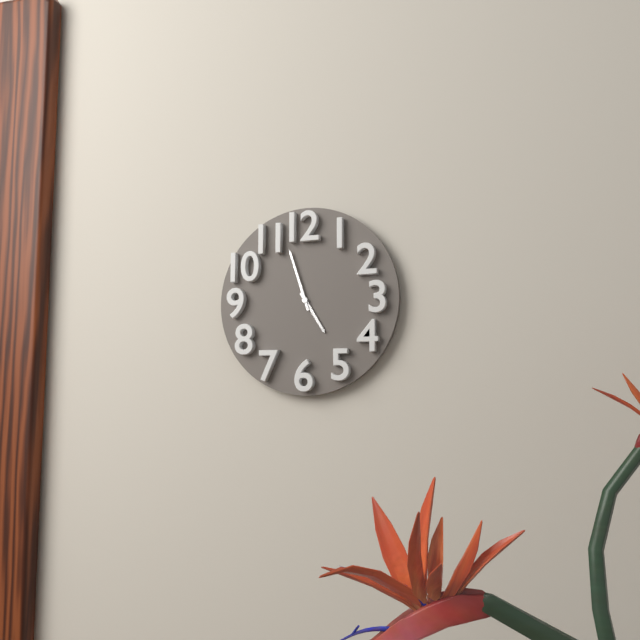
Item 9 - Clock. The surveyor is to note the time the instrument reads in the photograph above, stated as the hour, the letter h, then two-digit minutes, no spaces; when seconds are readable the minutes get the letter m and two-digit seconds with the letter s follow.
4h57
